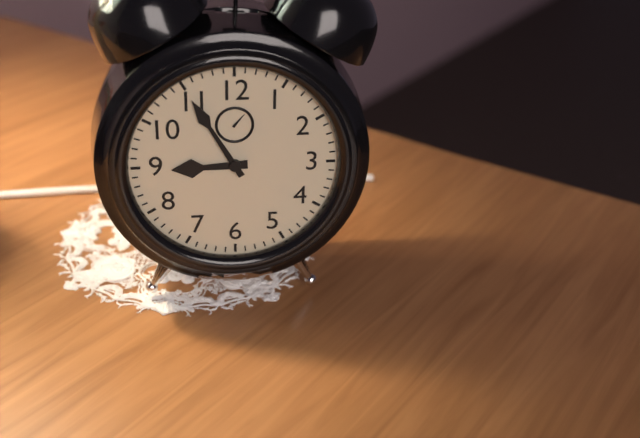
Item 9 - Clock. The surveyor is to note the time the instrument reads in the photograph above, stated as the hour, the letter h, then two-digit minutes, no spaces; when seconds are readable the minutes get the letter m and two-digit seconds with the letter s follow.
8h55
